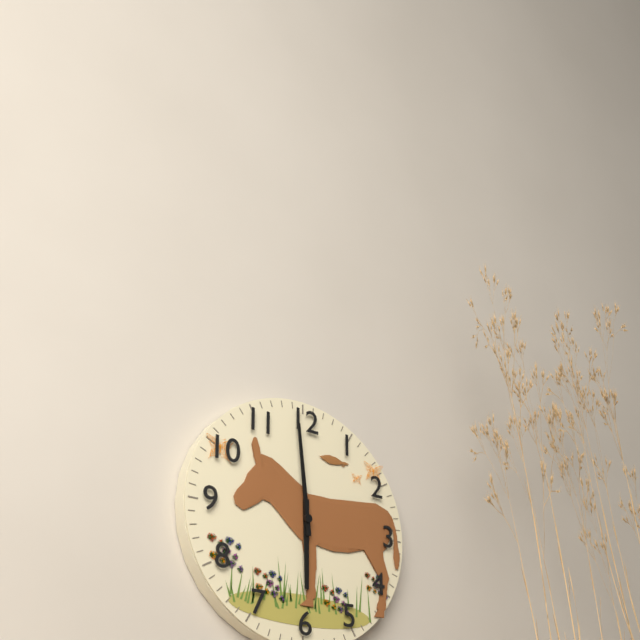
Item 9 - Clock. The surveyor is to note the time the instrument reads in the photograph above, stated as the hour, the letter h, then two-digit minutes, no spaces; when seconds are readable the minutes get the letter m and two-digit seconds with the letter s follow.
5h59
